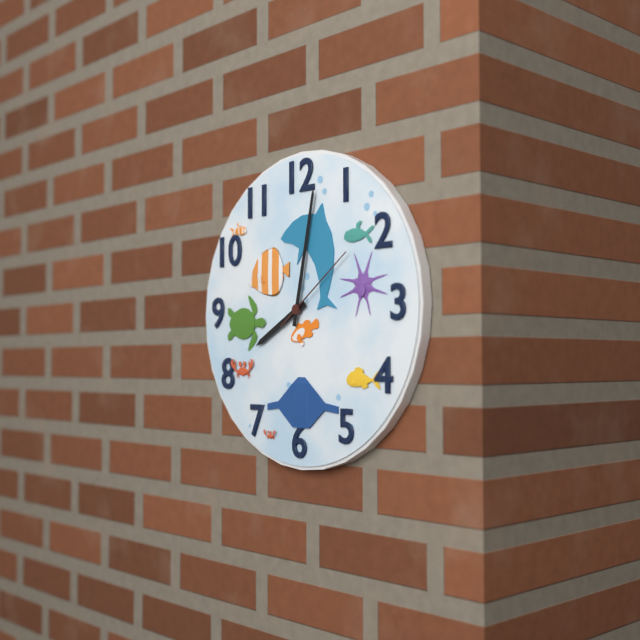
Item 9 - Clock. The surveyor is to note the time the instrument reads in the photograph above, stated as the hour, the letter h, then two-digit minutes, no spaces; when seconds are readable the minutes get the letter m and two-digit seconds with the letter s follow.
8h02m09s
